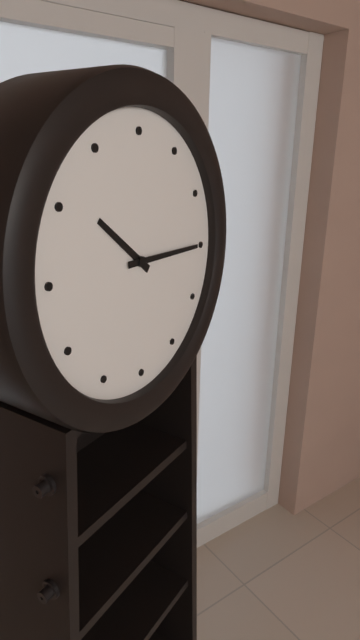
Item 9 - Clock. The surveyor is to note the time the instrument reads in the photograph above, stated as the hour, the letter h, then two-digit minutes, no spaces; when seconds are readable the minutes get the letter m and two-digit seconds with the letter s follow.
10h15
